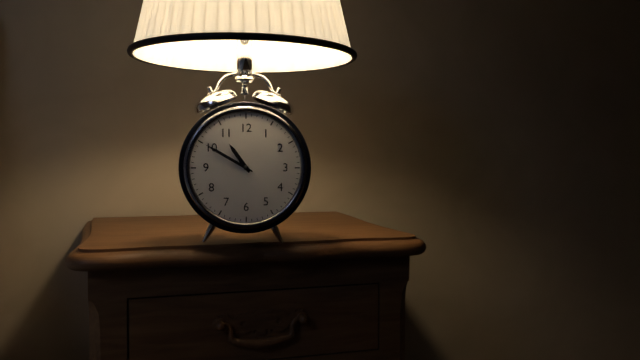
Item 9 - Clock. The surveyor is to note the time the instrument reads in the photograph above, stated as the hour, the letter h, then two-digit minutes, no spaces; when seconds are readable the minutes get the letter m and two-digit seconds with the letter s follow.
10h50
